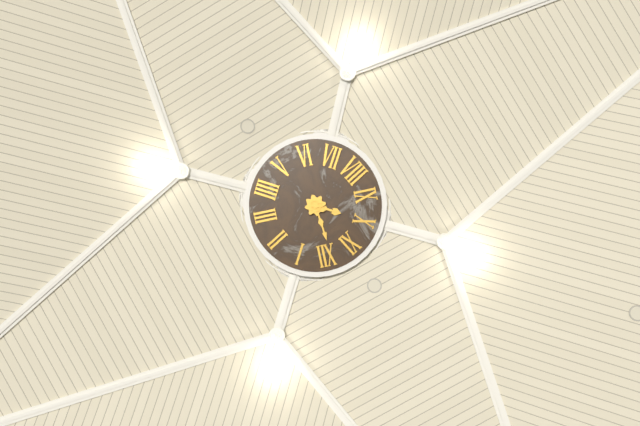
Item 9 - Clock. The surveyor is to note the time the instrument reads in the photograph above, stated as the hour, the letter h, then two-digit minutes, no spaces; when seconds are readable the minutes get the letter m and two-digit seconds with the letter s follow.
9h59
